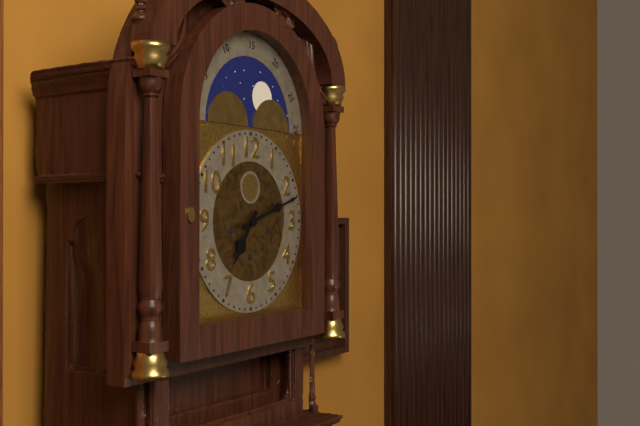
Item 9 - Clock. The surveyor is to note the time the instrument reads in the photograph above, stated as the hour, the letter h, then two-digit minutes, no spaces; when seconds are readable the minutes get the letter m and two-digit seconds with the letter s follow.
7h12
